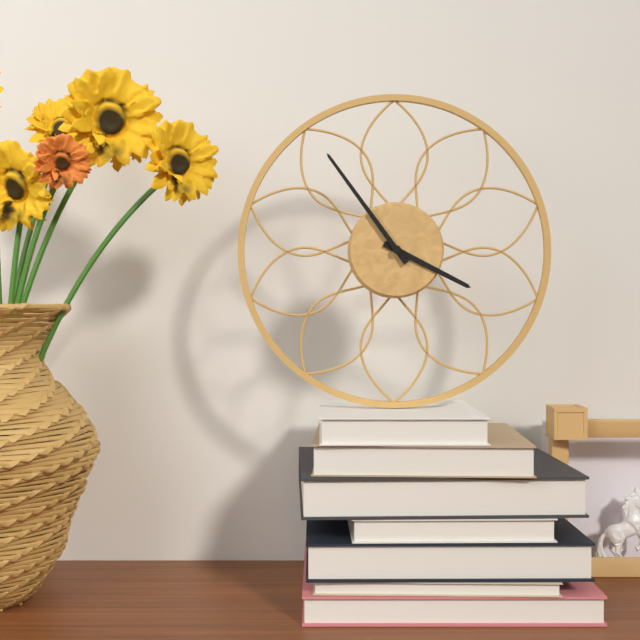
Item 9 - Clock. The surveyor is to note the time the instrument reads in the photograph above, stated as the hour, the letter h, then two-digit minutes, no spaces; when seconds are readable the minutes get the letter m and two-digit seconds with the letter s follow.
3h54
